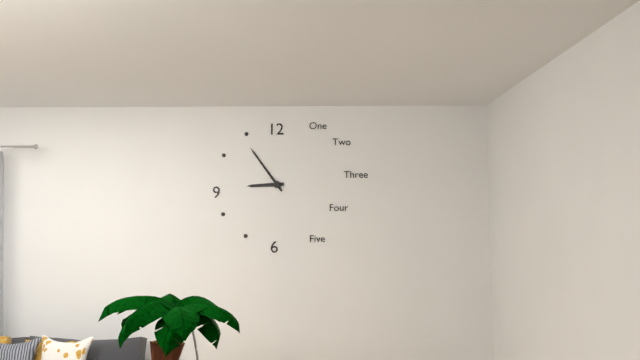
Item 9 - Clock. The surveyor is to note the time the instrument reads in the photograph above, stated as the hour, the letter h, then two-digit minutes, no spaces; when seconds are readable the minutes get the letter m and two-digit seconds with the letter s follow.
8h54
